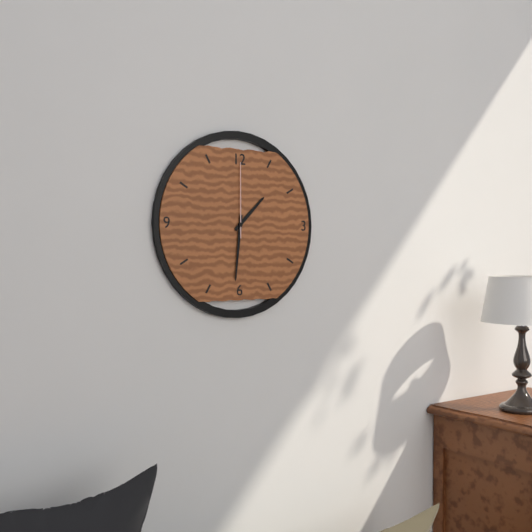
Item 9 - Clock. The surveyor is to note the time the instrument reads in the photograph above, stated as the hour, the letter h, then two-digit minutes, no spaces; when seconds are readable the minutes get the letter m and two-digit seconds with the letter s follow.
1h31m00s
